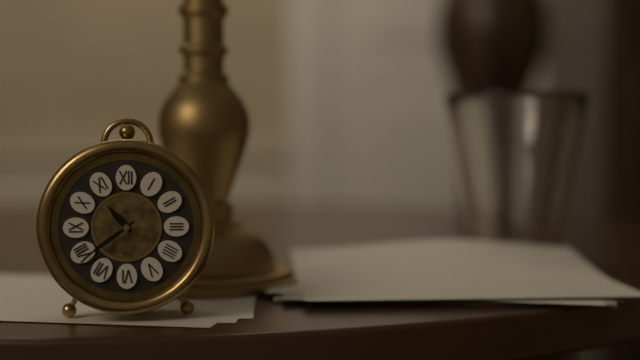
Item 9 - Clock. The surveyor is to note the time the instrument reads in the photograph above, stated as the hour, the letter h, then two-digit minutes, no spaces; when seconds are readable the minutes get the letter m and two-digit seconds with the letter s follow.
10h39
